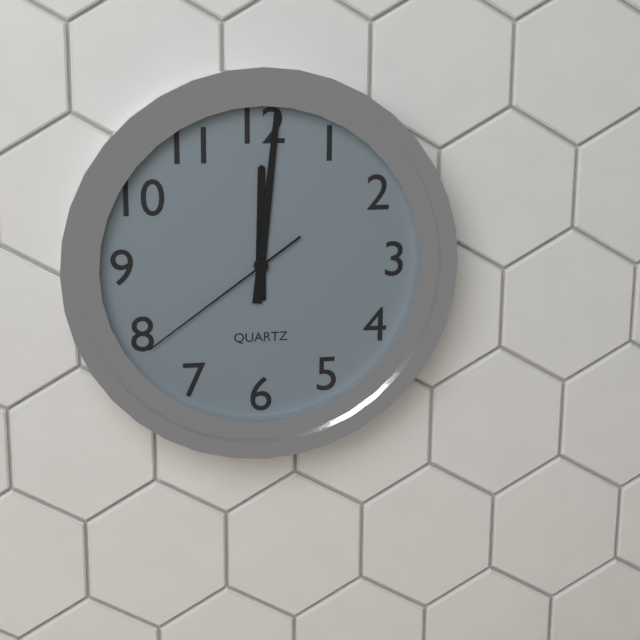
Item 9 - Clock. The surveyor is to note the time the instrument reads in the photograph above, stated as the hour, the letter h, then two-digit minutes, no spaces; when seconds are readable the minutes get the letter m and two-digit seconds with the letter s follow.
12h01m39s
